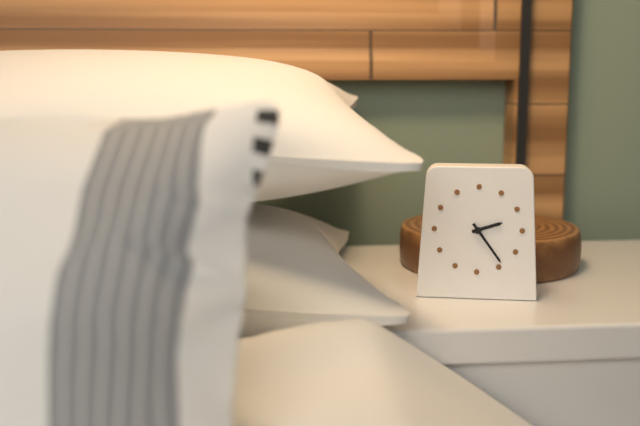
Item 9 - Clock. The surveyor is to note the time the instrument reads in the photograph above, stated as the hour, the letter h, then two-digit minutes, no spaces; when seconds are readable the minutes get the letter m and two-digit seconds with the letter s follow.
2h24
